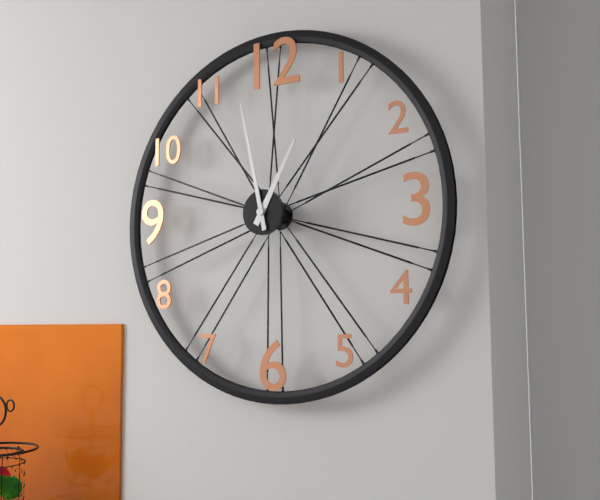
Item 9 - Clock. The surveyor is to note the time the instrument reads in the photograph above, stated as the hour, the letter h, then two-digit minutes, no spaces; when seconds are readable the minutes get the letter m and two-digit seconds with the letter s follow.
12h58
